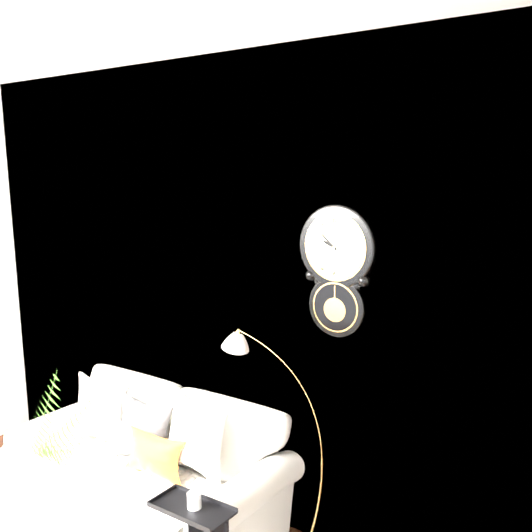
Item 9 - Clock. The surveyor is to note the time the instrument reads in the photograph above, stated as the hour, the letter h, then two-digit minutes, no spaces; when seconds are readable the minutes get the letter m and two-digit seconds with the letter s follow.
9h52
